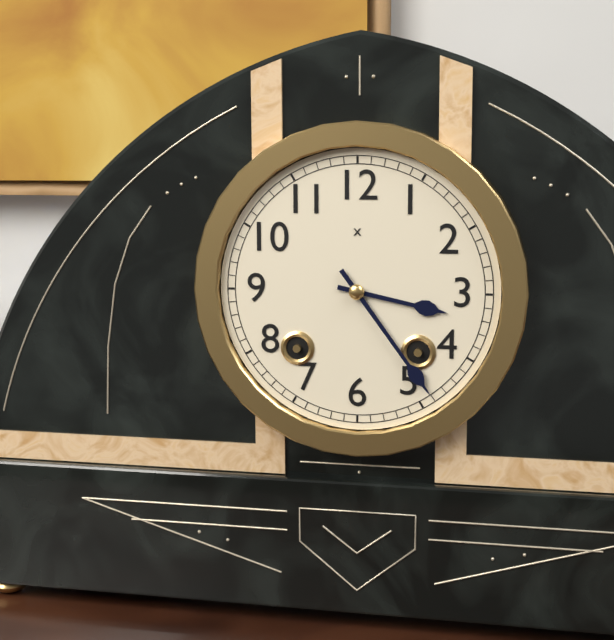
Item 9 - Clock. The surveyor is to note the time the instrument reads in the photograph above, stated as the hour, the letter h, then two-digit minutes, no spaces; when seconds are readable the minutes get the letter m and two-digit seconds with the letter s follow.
3h24
